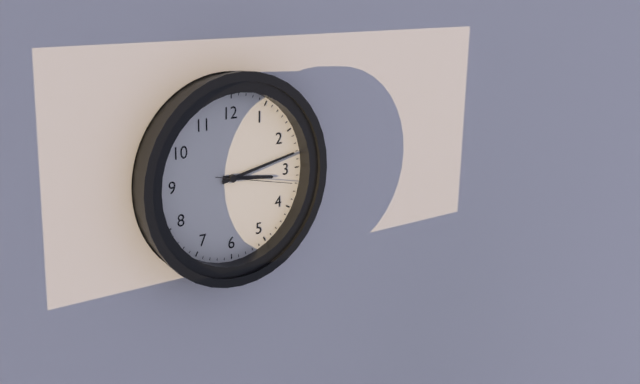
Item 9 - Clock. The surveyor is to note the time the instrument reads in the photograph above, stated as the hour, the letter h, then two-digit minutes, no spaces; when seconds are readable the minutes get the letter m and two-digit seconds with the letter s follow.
3h13m17s
